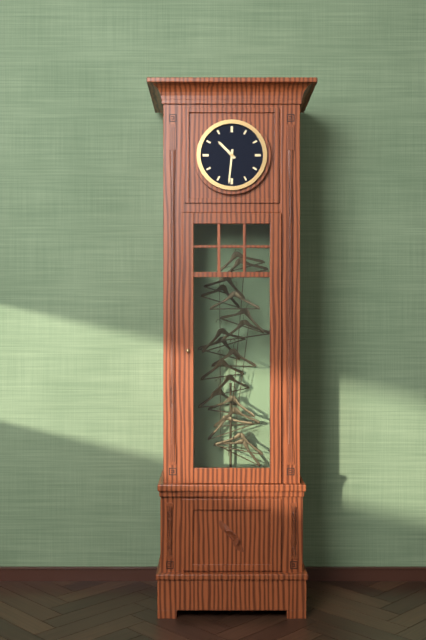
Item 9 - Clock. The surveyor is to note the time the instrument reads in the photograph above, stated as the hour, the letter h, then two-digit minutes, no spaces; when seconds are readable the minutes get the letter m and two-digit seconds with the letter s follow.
10h31
